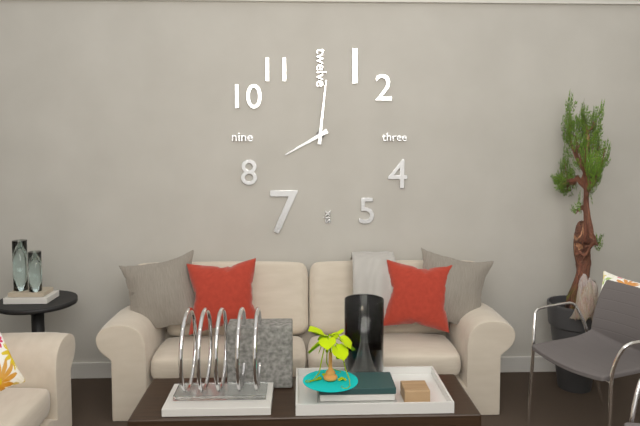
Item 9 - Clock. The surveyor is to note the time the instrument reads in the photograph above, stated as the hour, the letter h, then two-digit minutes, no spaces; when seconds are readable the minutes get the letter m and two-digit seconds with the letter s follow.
8h01
